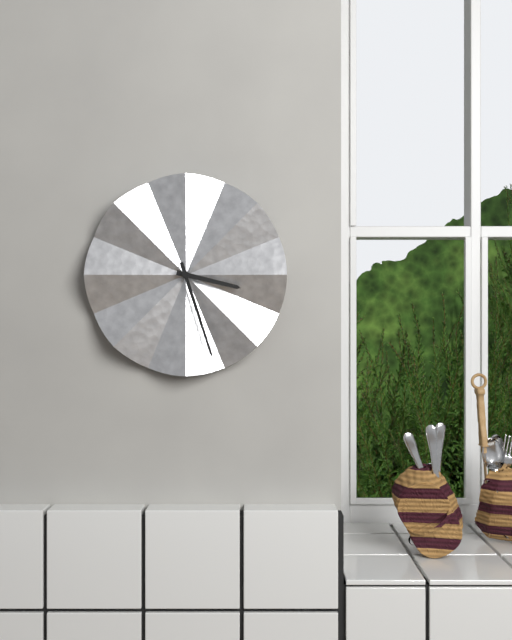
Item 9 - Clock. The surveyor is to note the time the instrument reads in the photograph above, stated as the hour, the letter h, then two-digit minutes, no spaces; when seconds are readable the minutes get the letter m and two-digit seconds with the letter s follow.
3h27
